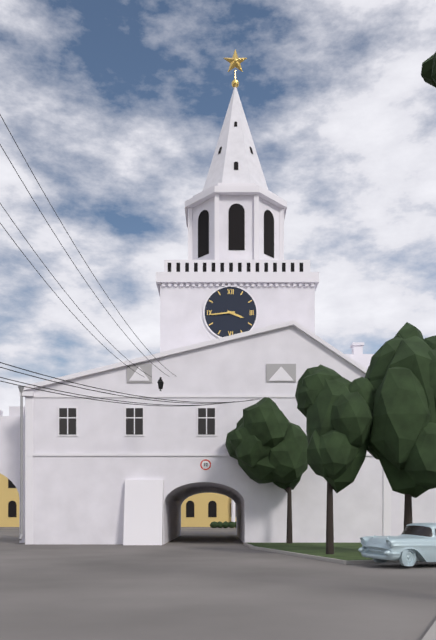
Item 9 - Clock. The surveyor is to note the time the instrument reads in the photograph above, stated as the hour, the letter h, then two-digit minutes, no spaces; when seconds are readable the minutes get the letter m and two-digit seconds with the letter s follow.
3h44
